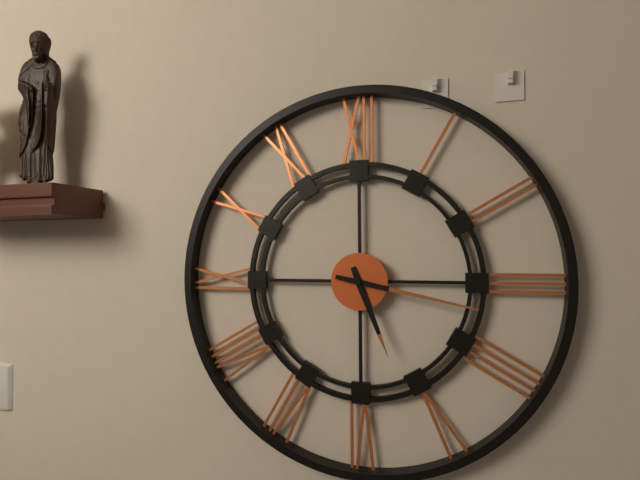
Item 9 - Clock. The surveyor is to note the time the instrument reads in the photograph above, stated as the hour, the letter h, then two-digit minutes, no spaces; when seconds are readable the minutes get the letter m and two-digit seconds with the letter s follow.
5h17
